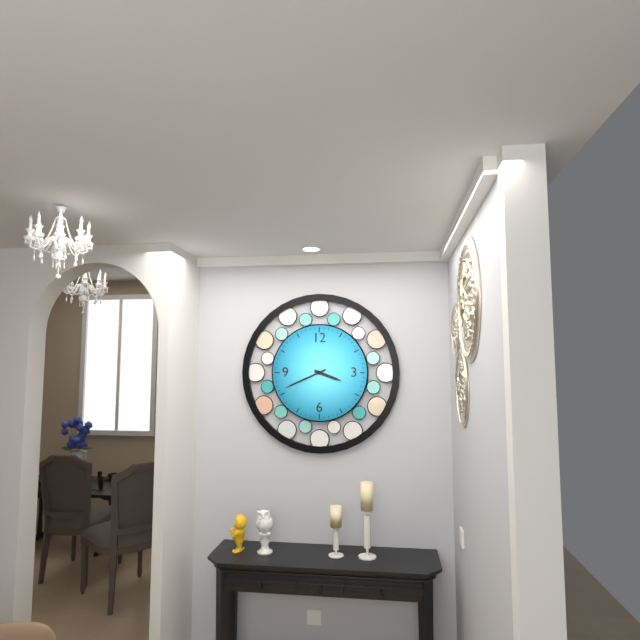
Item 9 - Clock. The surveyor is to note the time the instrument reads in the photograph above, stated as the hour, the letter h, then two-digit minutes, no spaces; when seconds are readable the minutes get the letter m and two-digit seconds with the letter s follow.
3h41
